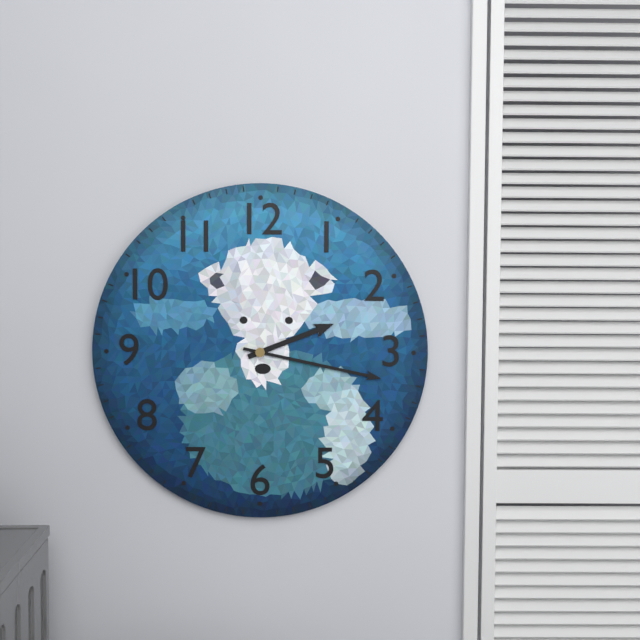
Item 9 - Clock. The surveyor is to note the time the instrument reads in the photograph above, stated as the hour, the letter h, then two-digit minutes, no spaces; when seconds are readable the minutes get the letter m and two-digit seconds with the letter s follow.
2h17
